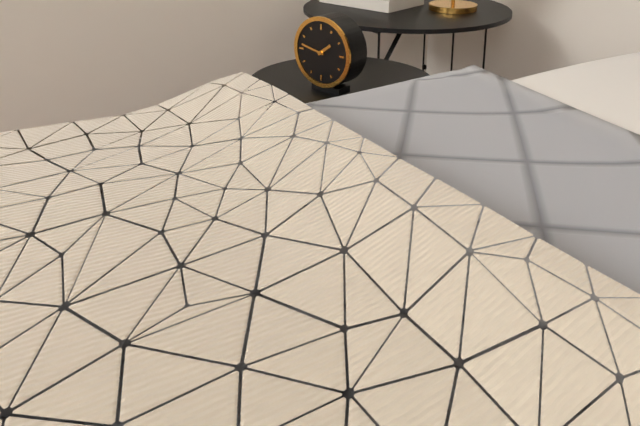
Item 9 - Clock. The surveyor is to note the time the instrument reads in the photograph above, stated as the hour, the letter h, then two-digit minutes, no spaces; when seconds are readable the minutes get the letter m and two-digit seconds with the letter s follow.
1h47
